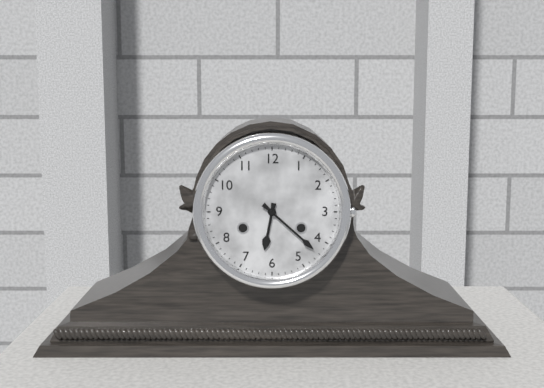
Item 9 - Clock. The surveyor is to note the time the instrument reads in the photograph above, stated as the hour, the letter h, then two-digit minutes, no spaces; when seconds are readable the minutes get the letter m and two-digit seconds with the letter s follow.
6h22
